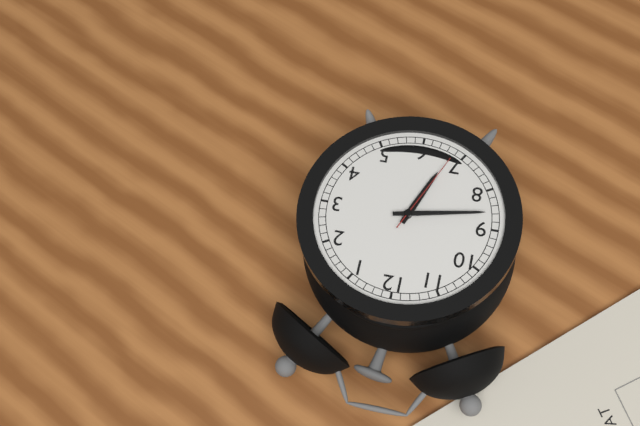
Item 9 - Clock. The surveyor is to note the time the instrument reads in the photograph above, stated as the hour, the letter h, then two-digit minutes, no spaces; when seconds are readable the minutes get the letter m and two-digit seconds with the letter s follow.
6h43m34s
